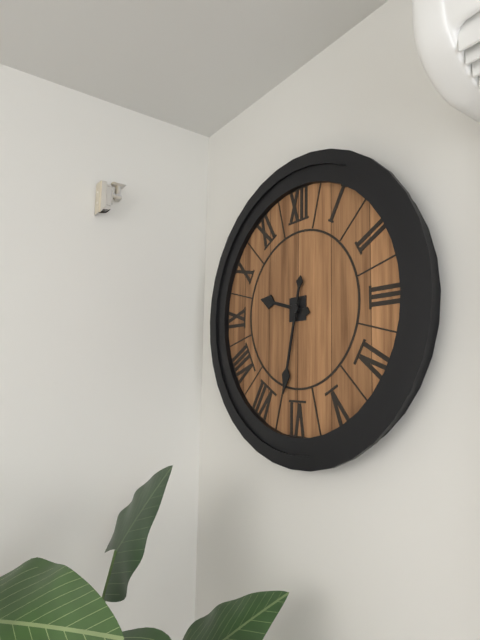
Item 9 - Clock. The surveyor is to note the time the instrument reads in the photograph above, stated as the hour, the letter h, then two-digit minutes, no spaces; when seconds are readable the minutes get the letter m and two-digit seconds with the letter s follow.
9h32
